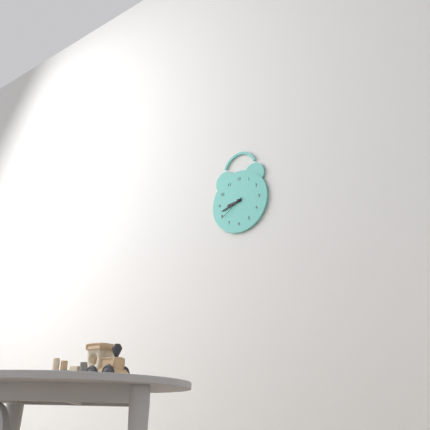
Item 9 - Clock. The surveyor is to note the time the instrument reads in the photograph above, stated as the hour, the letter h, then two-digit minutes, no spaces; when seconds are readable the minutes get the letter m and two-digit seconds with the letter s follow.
8h42
